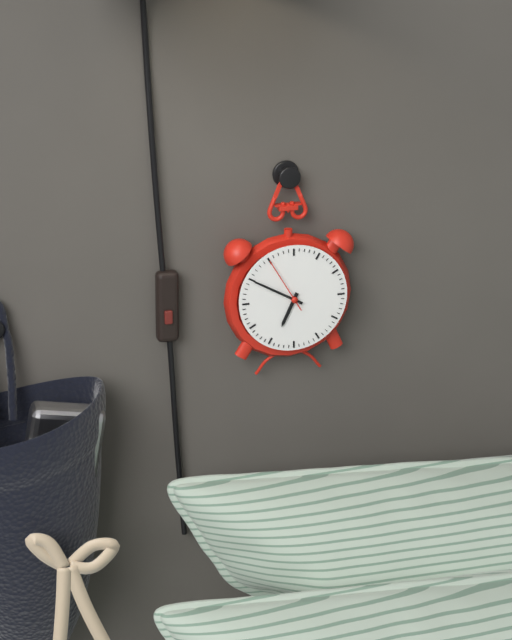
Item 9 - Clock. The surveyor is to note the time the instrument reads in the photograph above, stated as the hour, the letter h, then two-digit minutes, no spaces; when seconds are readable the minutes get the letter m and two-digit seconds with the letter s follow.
6h50m55s
